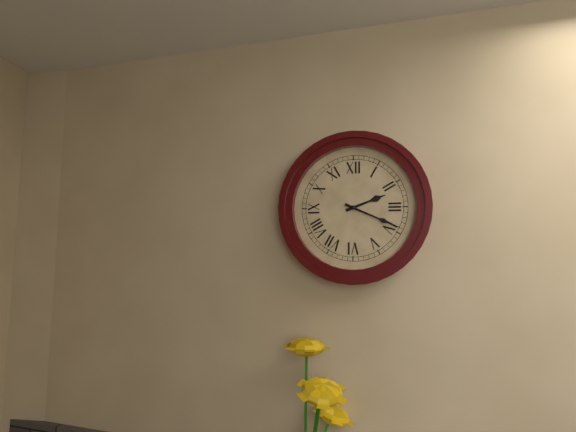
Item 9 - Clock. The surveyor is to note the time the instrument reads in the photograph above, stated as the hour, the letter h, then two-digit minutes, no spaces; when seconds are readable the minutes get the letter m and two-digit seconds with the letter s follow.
2h19
